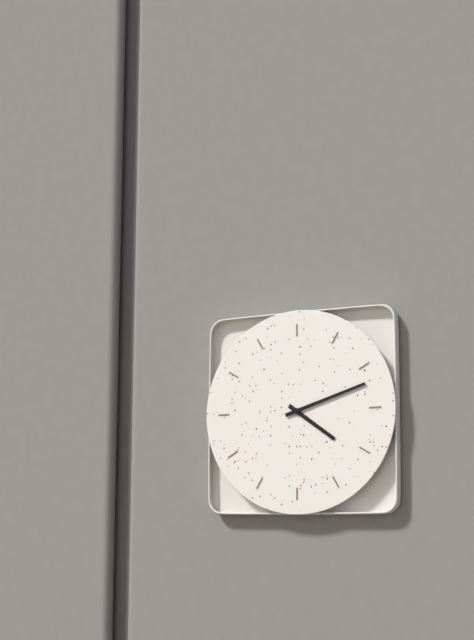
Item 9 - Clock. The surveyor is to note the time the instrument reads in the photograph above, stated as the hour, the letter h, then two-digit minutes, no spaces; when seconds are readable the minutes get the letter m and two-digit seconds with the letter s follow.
4h12
